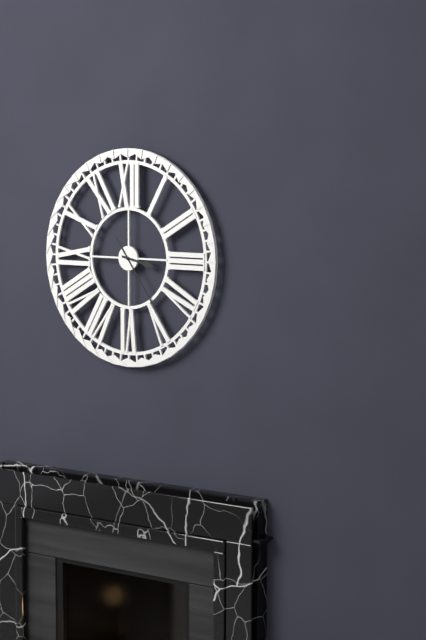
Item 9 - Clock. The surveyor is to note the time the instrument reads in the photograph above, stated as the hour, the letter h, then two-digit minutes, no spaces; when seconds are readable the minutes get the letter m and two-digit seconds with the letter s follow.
3h24
